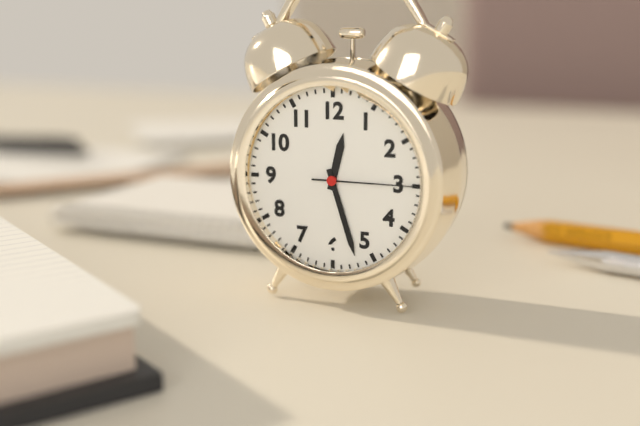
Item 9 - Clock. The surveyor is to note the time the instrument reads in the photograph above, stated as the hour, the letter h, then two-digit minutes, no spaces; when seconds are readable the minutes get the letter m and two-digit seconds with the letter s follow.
12h27m15s
